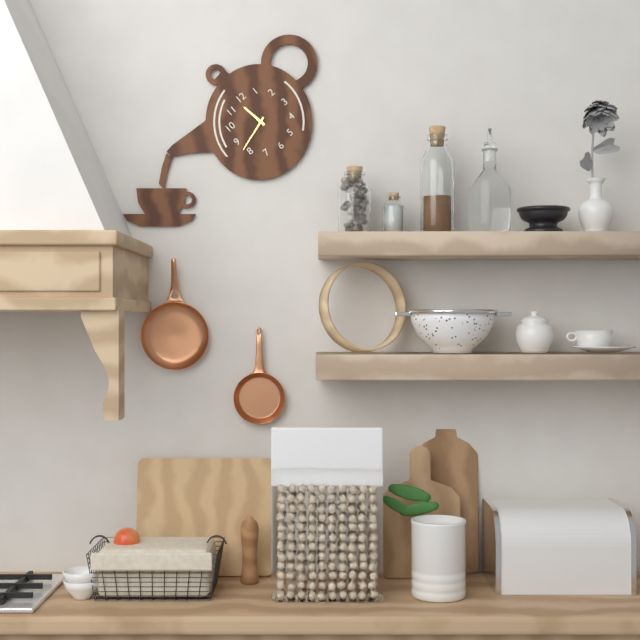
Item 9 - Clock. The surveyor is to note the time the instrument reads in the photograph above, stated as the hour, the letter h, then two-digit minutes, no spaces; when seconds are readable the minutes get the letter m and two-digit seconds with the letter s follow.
11h42
